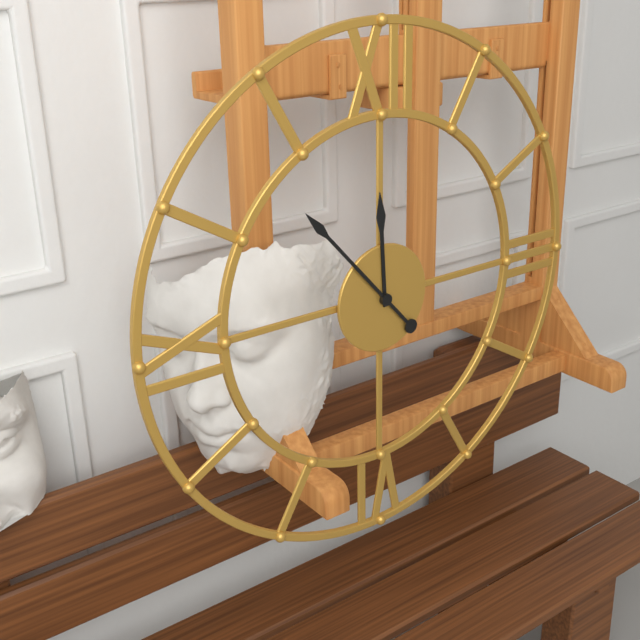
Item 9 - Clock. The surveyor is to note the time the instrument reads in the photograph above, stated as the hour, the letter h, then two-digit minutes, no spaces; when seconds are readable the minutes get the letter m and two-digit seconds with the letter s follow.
11h53
